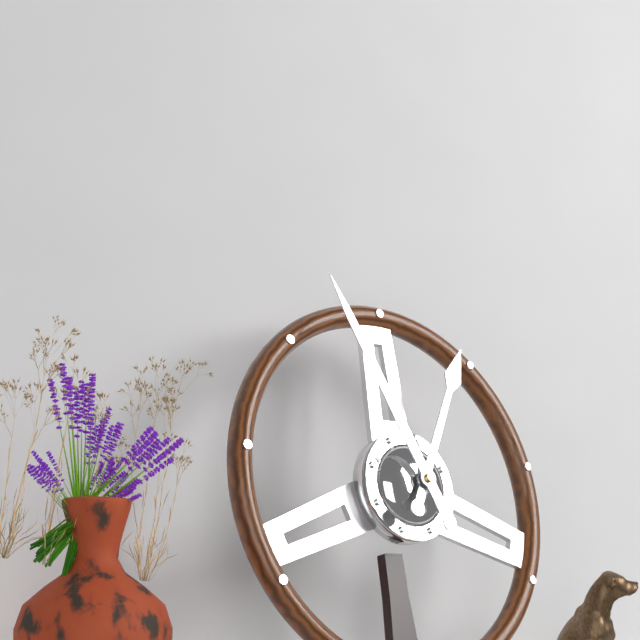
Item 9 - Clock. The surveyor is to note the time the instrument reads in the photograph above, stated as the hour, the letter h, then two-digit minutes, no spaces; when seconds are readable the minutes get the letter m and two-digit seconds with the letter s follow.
12h56
